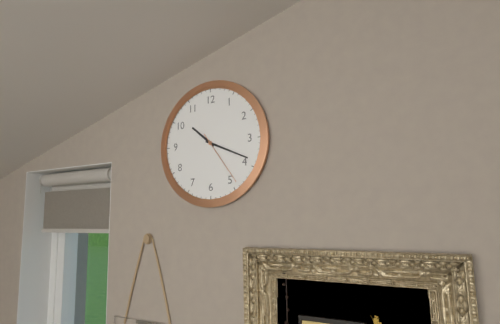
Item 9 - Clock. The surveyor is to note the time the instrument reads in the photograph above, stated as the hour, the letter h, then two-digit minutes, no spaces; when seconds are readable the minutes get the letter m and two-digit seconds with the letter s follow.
10h19m24s
